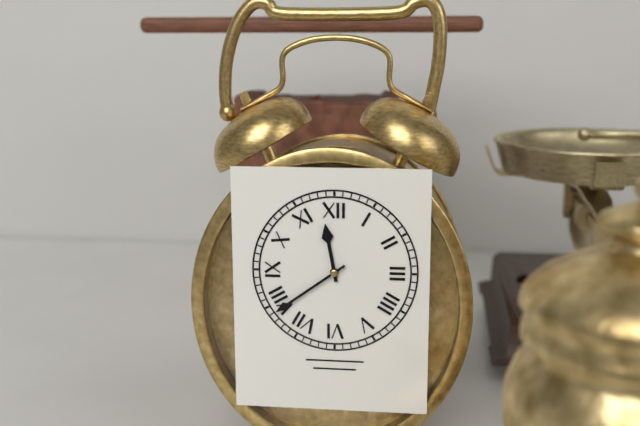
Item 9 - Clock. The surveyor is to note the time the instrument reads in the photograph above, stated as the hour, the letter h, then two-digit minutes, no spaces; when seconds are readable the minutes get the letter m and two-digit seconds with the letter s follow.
11h39
